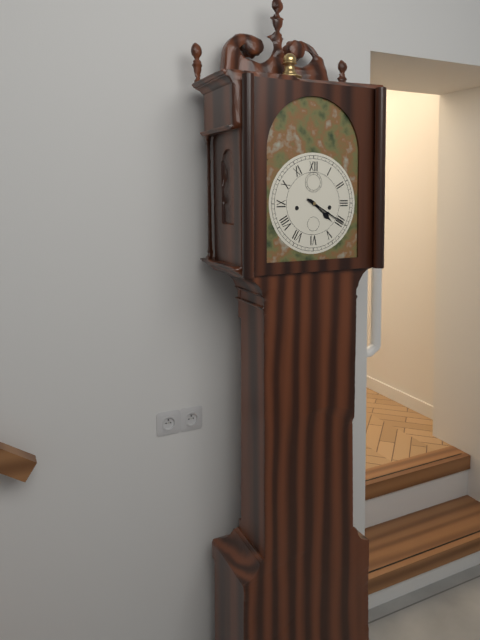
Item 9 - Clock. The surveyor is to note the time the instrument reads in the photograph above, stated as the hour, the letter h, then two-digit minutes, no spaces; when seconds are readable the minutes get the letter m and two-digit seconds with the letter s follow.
4h20
